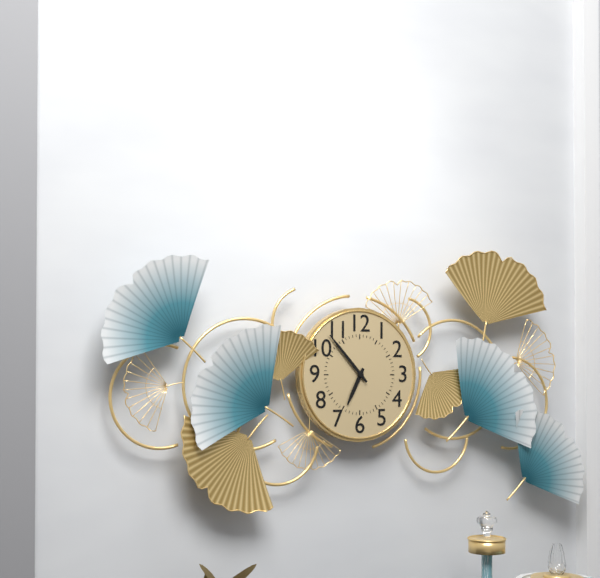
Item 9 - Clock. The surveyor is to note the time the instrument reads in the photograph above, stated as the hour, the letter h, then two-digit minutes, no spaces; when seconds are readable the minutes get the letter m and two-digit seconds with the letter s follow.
6h53
